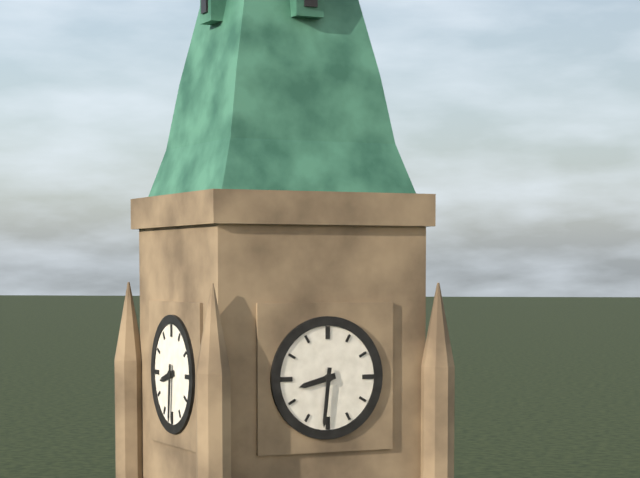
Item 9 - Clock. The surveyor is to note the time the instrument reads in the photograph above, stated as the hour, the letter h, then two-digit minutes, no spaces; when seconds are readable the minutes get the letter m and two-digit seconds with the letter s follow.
8h31
